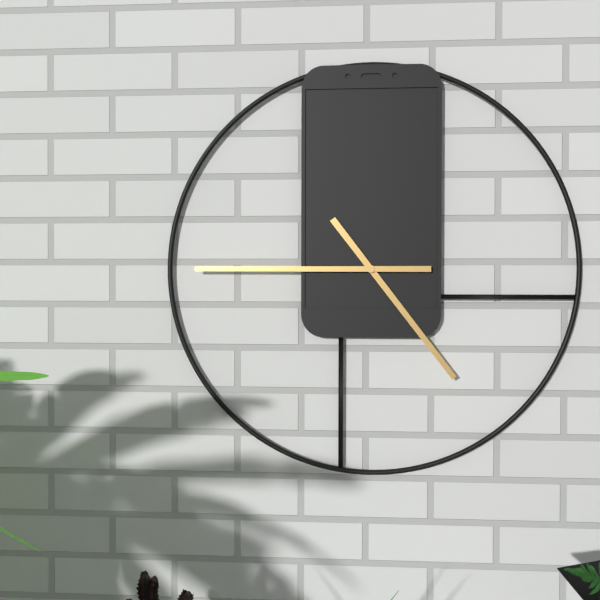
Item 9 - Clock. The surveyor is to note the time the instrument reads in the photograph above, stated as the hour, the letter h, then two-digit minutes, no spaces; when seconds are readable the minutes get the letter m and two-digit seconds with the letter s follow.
4h45
